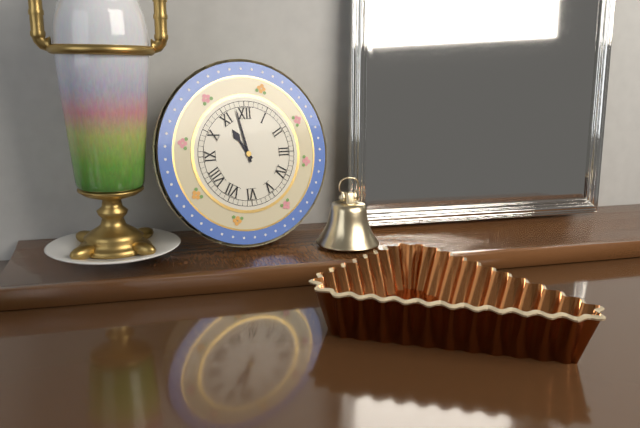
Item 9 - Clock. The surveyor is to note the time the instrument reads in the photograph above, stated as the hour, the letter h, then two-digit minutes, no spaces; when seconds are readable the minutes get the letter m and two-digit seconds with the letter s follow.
10h58
